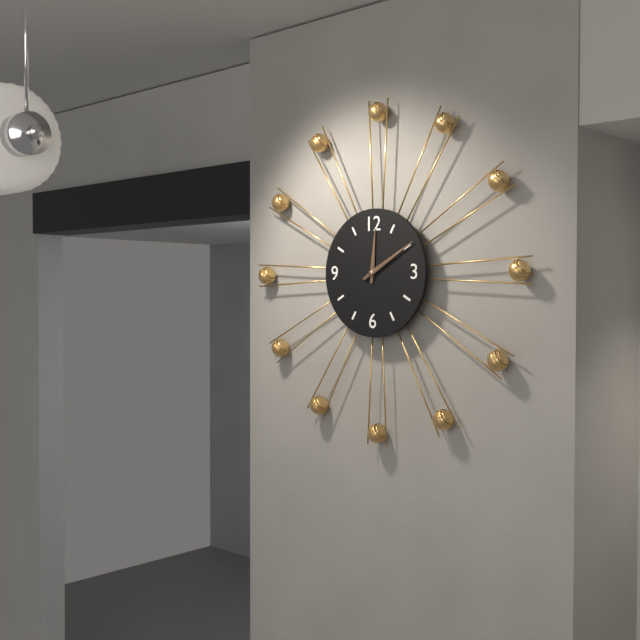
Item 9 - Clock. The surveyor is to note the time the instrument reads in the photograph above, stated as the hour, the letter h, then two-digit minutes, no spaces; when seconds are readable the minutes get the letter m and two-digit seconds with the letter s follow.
12h10
